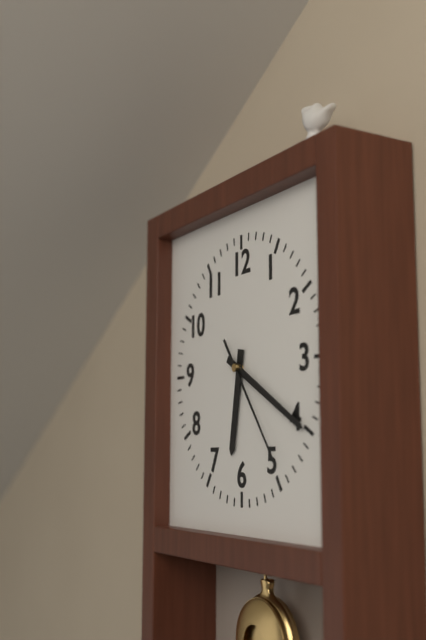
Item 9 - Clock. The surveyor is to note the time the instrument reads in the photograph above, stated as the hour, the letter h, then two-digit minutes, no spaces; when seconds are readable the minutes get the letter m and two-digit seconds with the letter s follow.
6h20m24s
